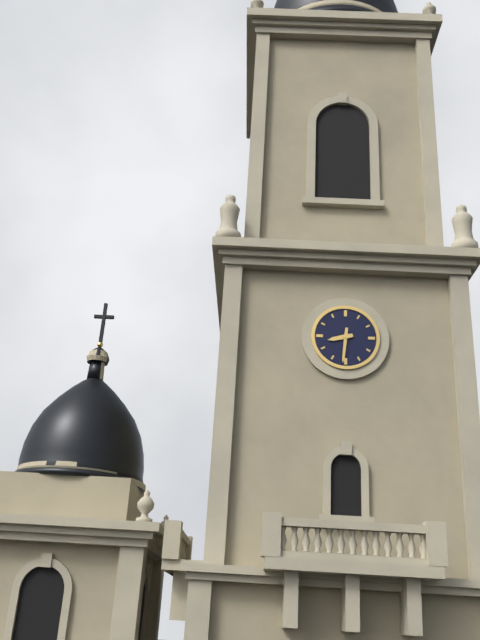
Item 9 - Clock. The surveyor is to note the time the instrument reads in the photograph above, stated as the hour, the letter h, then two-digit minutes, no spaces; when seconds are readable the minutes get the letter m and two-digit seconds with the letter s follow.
8h31
